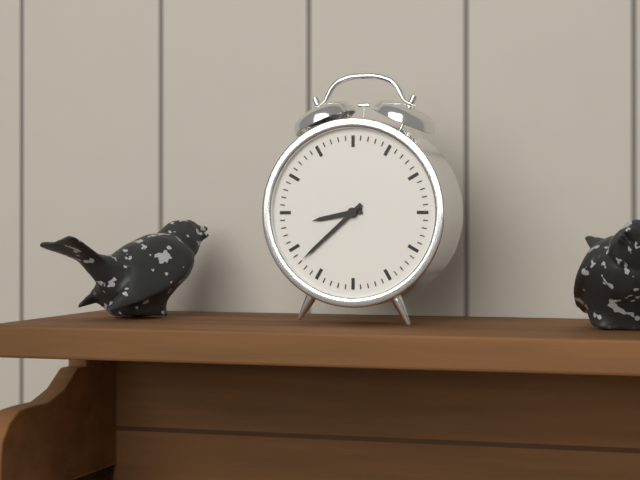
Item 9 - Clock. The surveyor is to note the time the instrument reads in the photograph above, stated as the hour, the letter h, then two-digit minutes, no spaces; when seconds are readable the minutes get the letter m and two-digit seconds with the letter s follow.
8h38
